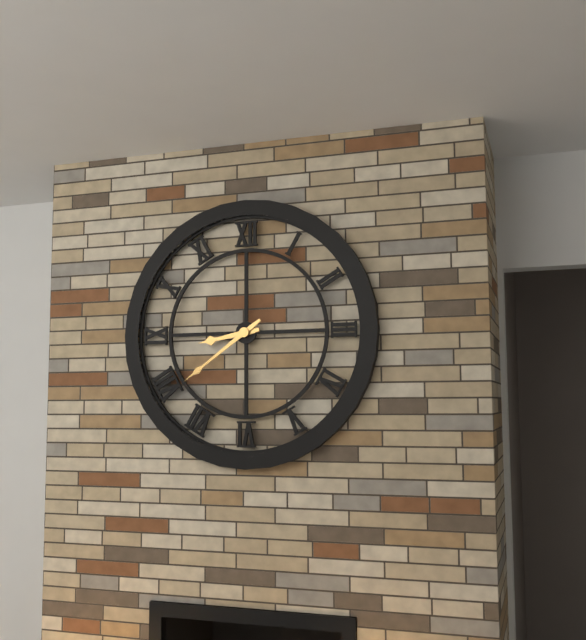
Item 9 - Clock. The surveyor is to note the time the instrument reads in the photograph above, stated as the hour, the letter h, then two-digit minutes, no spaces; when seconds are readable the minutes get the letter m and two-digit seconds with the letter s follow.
8h39
